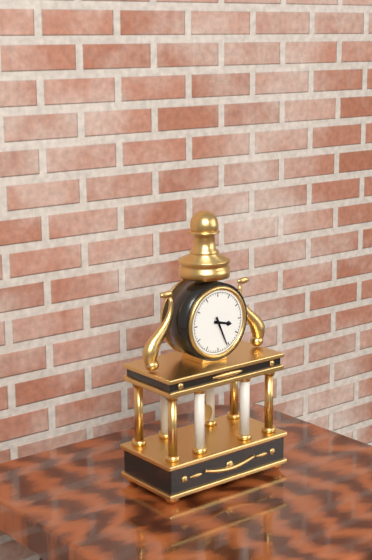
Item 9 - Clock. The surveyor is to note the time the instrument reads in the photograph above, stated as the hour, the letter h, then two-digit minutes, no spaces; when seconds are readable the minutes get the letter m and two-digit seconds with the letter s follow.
3h26
